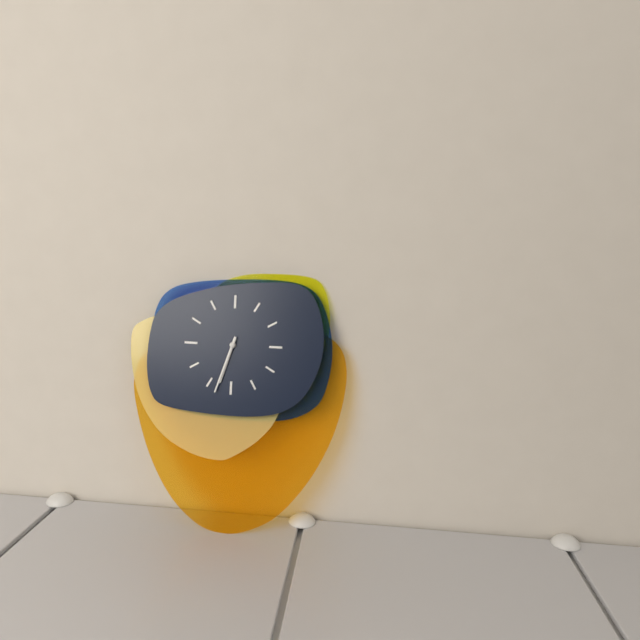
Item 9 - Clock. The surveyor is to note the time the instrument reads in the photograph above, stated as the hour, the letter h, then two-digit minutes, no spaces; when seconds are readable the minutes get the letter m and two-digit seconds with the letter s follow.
6h33
